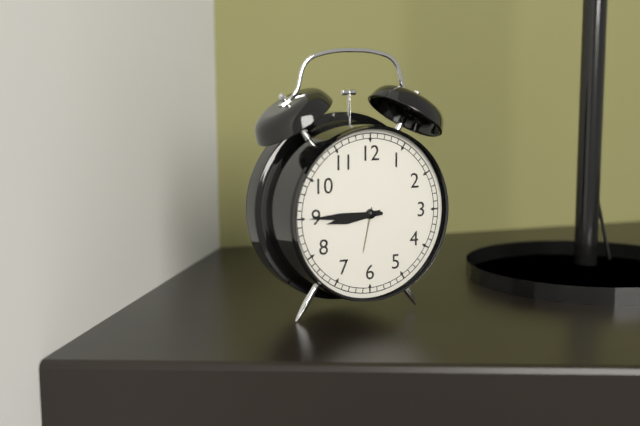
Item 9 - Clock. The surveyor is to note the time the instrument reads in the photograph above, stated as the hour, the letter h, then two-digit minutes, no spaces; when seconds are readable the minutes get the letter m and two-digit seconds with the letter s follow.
8h45
